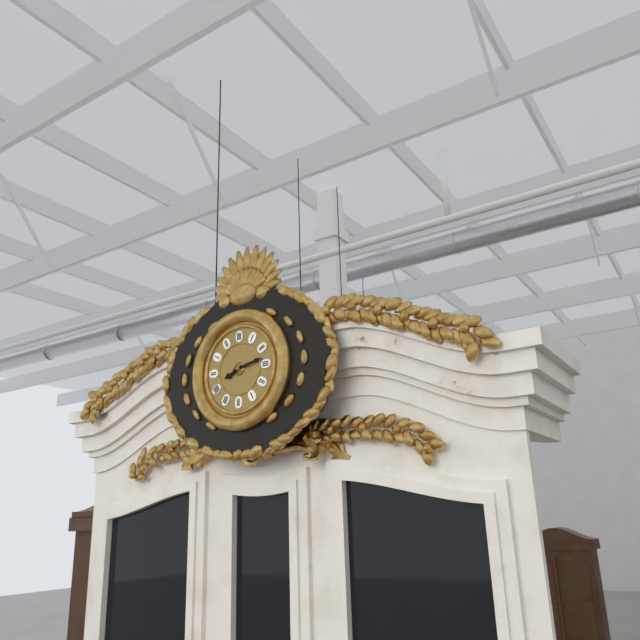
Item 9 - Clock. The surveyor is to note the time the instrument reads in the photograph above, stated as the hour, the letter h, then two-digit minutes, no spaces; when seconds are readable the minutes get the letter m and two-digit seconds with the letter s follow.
8h13
